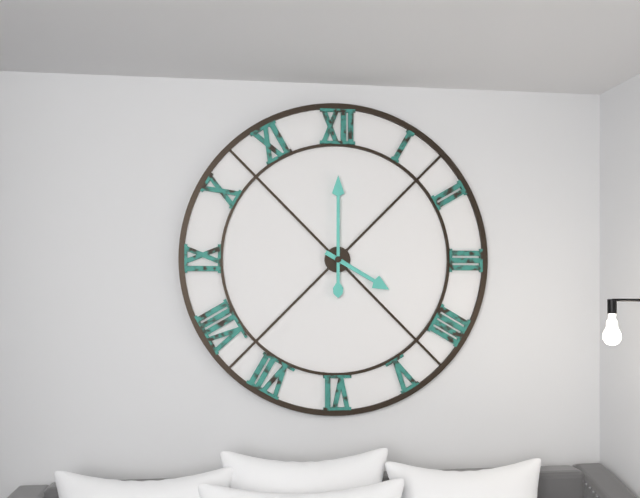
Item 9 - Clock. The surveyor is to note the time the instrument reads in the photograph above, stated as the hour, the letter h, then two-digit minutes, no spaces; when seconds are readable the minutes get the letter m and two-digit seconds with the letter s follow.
4h00
